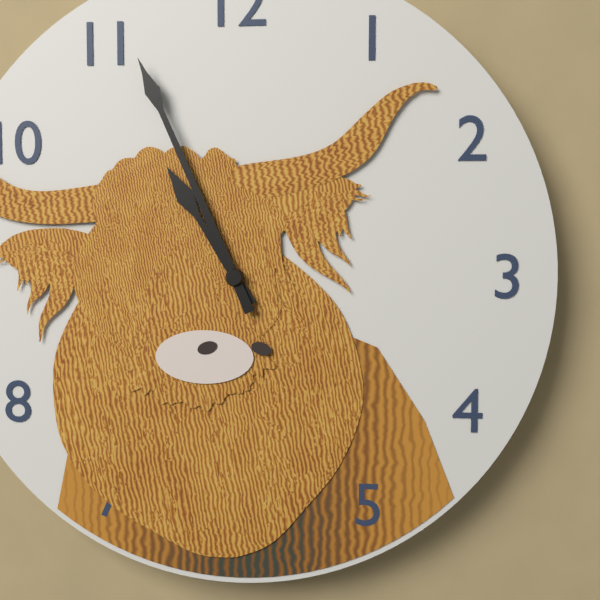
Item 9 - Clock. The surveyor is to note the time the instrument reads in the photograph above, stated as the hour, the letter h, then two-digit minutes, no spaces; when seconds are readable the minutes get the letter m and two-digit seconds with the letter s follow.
10h56
